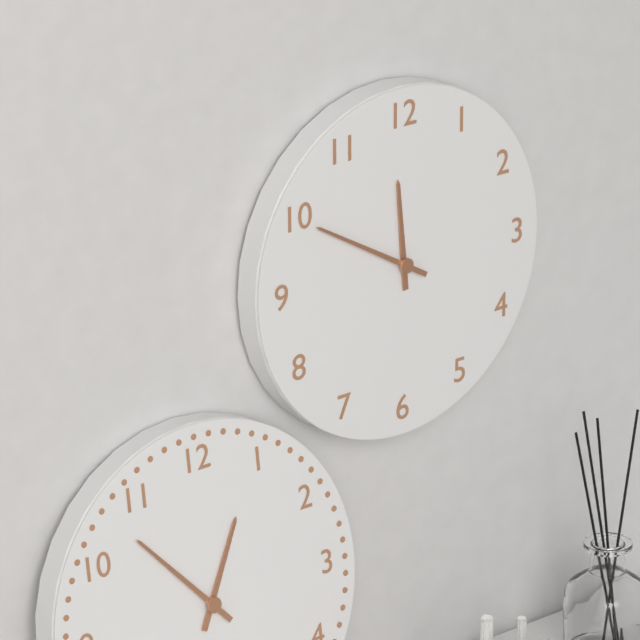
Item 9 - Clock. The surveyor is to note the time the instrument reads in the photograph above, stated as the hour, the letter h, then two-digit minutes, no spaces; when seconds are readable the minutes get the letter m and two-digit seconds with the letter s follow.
11h50
